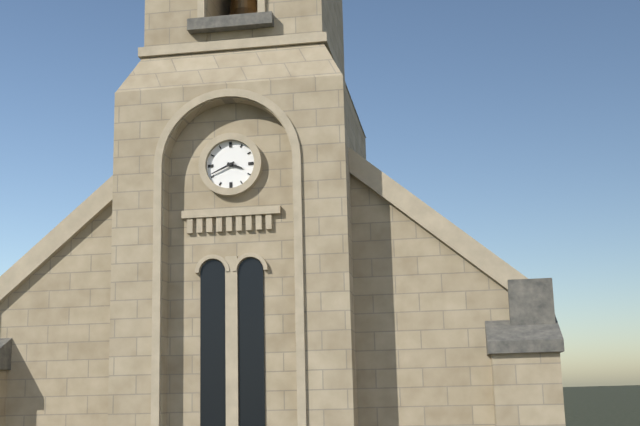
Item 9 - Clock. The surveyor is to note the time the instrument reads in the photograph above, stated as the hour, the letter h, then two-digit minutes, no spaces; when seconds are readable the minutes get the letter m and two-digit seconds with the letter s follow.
3h41
